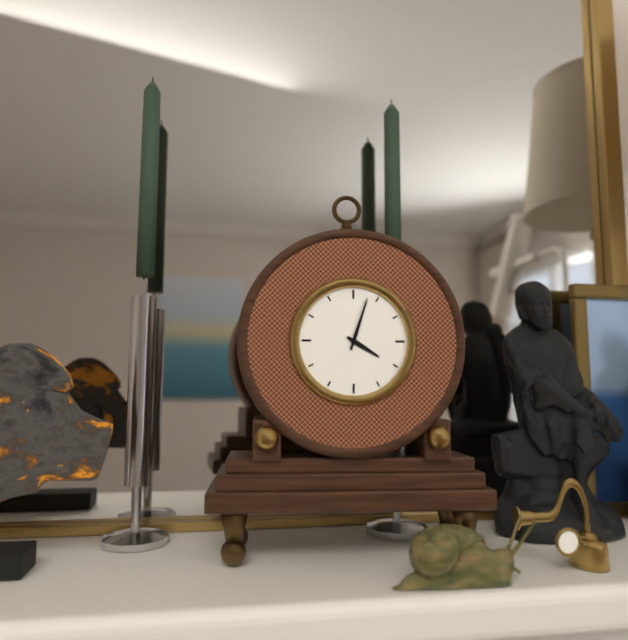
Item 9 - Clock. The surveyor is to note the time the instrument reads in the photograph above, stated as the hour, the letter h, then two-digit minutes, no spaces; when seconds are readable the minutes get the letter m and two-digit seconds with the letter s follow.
4h03
